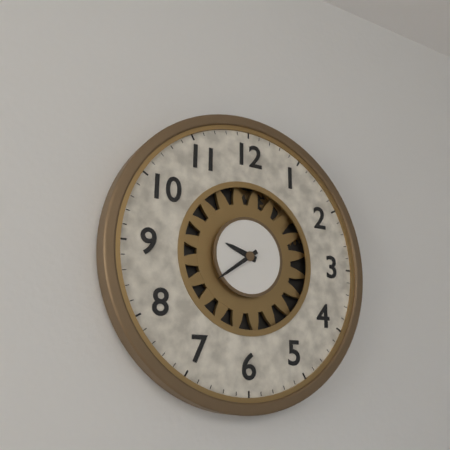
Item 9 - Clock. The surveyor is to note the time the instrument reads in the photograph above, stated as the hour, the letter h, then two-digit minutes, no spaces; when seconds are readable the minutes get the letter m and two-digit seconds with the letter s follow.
9h39
